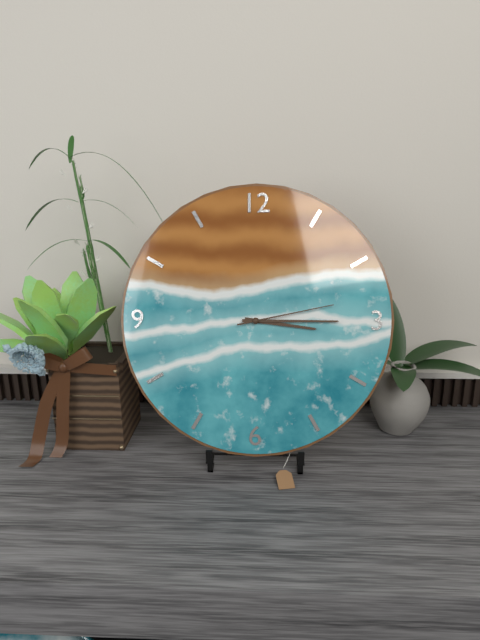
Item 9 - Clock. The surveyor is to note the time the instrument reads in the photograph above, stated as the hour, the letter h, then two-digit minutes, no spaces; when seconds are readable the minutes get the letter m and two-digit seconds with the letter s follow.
3h15m13s
